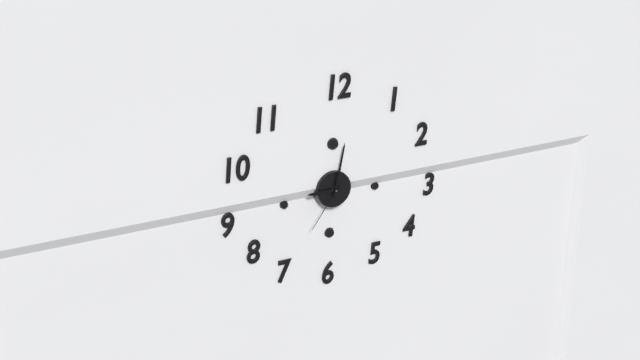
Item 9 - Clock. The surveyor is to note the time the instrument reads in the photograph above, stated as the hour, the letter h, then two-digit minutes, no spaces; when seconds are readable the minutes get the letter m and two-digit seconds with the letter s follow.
9h02m36s
